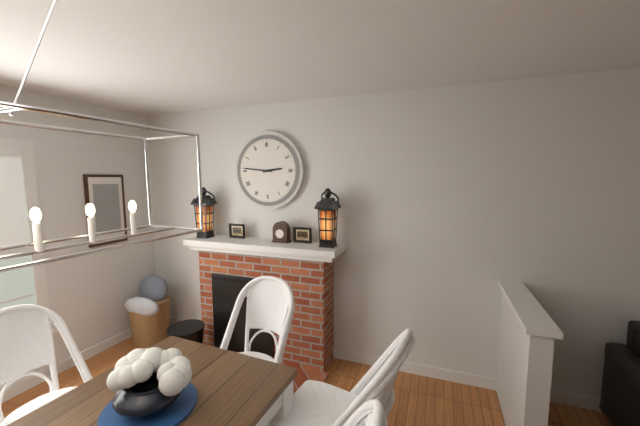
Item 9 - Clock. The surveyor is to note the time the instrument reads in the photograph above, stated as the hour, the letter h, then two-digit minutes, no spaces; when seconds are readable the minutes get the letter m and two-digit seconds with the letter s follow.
2h46
